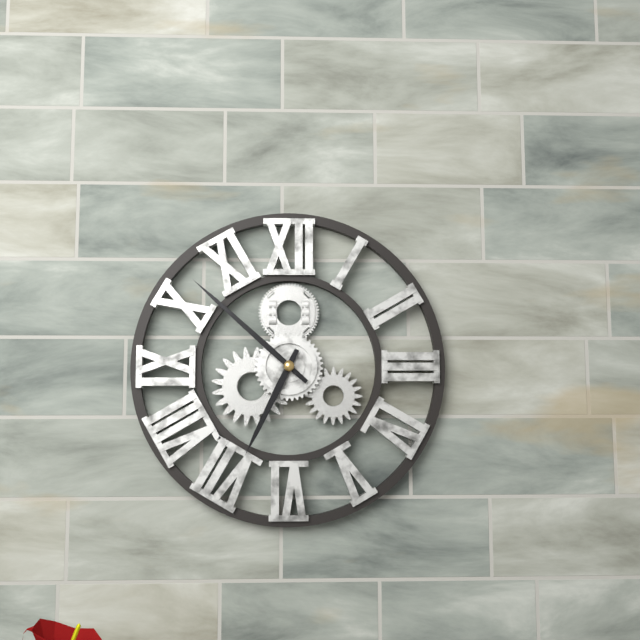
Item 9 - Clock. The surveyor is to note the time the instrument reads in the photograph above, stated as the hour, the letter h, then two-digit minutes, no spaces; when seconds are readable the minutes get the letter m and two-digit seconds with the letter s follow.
6h52
